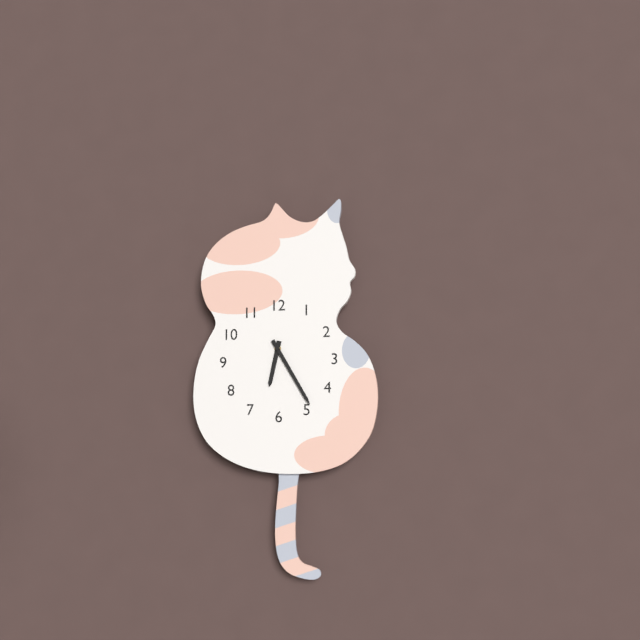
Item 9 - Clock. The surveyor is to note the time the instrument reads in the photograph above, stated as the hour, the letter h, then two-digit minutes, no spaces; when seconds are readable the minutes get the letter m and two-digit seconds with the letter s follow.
6h25
